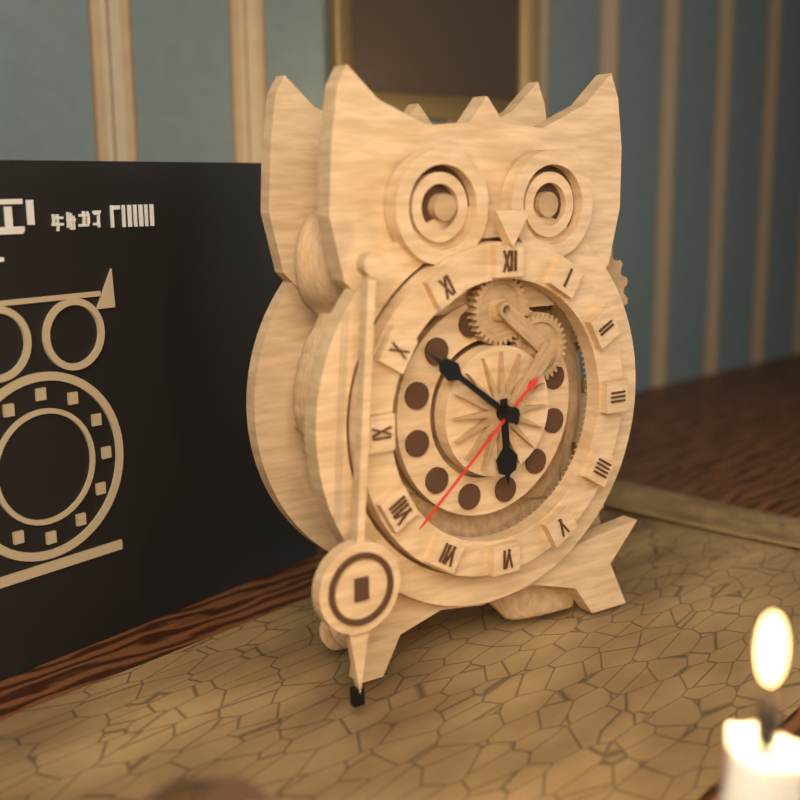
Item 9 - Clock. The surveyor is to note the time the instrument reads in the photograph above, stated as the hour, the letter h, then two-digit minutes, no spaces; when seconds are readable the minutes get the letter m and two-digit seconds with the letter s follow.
5h51m38s
